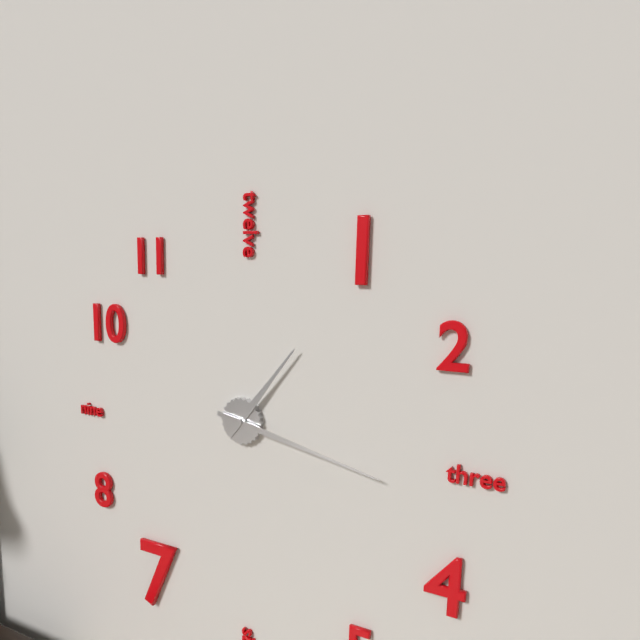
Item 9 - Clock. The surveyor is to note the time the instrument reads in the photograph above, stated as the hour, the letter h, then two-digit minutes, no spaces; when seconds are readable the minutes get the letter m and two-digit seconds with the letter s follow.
1h17
